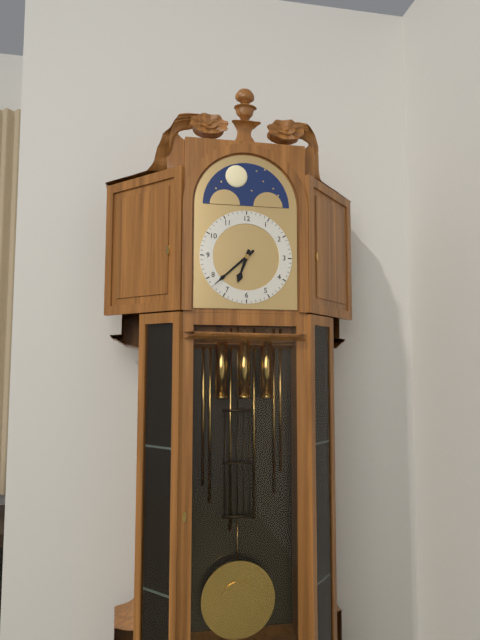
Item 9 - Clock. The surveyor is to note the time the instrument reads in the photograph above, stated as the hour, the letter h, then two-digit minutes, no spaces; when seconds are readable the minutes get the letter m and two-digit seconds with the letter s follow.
6h38
